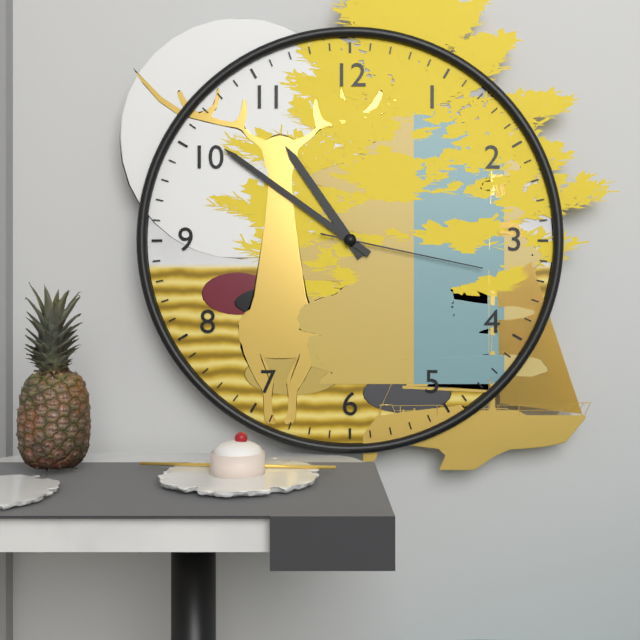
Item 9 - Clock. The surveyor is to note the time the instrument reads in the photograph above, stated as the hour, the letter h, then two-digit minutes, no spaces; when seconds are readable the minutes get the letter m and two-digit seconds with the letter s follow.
10h51m17s
